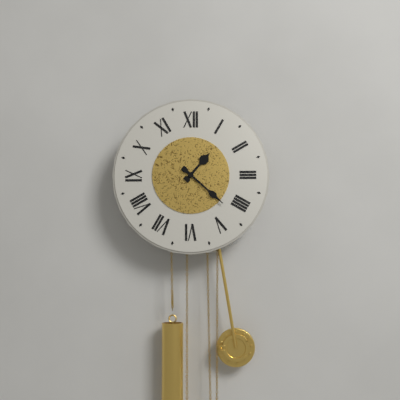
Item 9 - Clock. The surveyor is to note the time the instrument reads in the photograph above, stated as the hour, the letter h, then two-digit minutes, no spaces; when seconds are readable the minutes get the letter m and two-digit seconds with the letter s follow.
1h22
